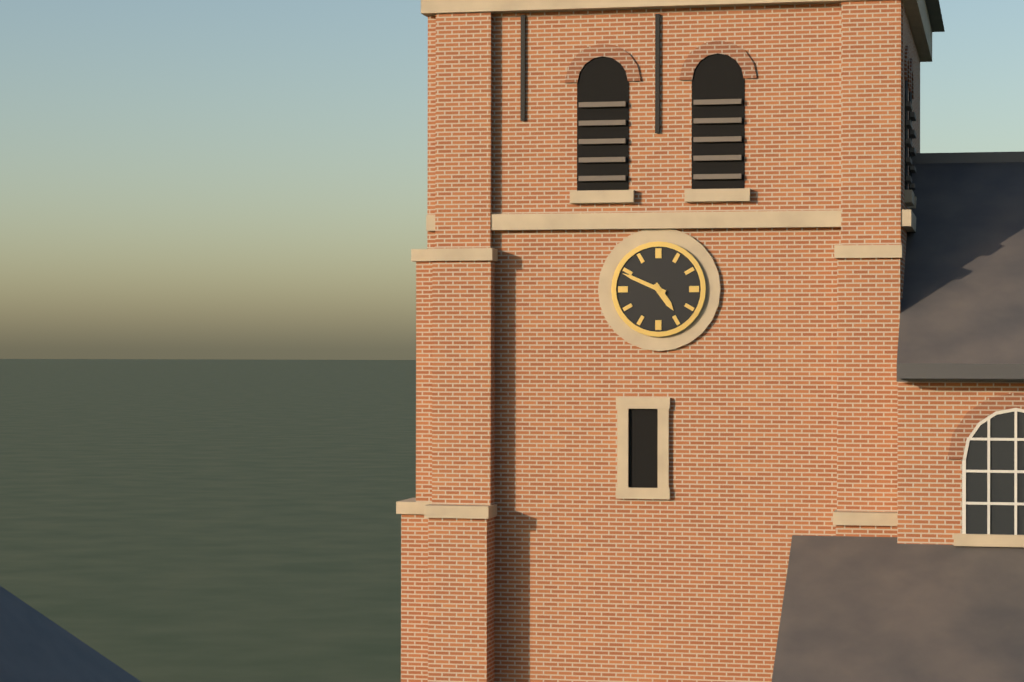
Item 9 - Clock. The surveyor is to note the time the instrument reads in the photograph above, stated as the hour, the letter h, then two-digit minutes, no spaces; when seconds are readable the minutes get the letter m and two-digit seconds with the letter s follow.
4h49
